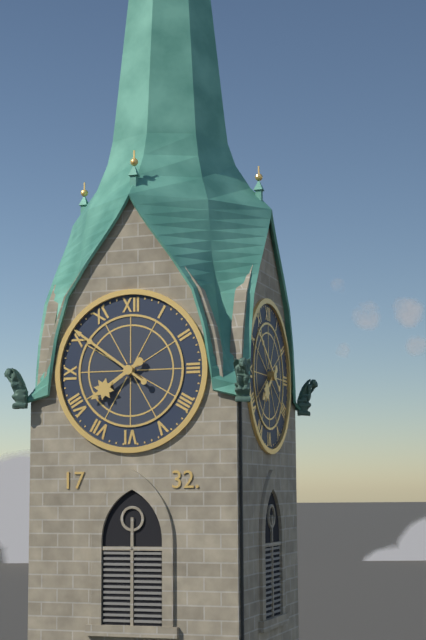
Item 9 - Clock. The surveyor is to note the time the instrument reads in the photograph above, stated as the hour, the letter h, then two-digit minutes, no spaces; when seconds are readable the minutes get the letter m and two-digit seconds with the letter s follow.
7h51
